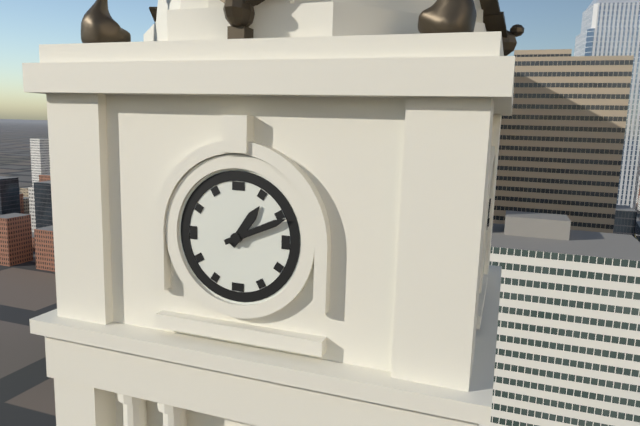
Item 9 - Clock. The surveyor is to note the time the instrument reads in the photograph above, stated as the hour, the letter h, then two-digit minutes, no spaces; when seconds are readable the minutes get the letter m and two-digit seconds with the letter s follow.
1h11
